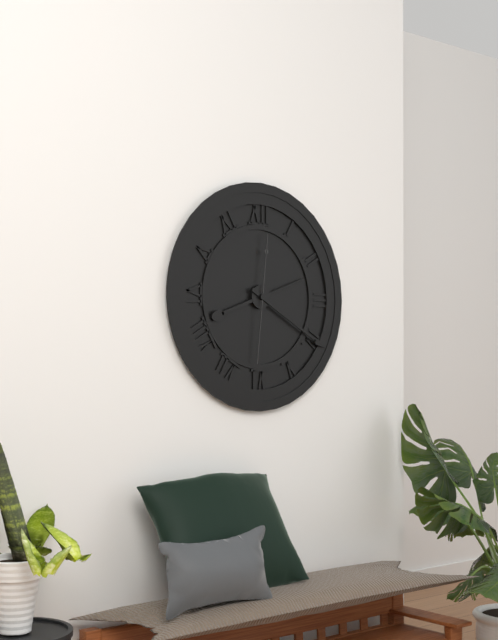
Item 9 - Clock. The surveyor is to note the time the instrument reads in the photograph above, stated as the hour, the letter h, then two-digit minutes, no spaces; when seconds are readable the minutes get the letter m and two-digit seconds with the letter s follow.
8h20m31s
